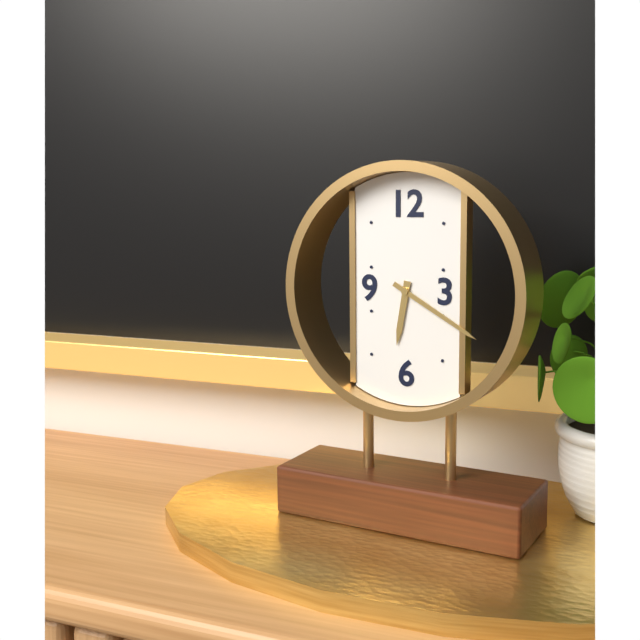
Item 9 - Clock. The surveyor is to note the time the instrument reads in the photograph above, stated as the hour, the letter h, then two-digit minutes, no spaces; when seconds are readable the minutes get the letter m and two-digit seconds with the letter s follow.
6h20
